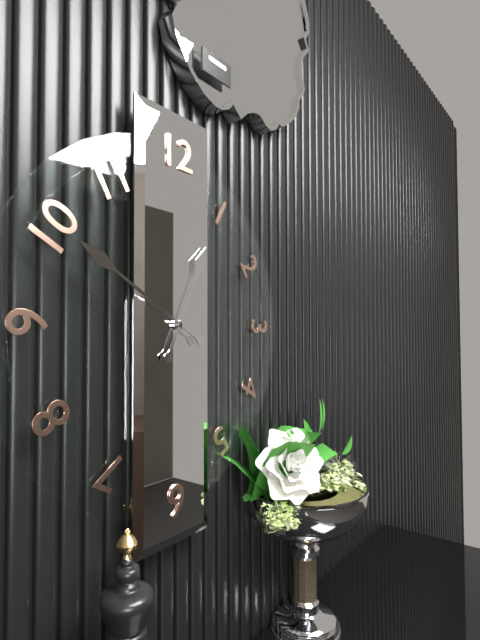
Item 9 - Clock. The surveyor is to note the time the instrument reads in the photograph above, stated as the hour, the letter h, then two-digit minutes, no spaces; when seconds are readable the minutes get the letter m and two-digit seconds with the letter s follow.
12h50
